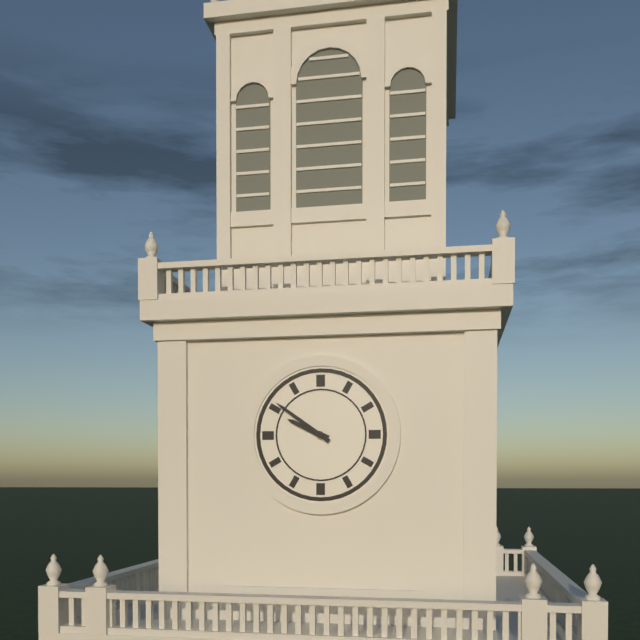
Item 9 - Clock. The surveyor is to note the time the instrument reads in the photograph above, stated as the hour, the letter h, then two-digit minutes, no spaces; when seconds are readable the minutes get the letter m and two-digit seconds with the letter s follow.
9h51
